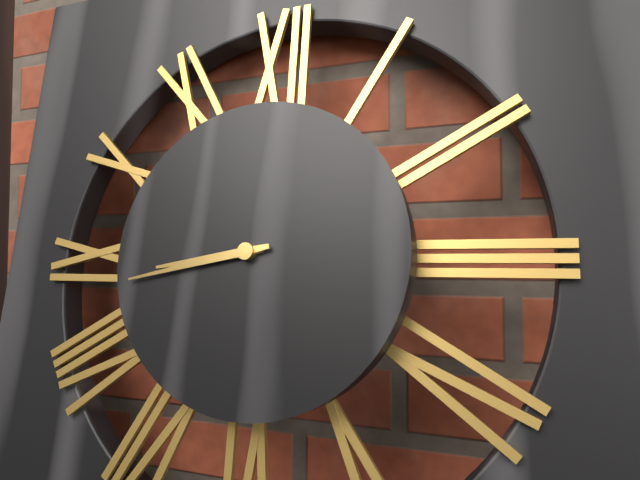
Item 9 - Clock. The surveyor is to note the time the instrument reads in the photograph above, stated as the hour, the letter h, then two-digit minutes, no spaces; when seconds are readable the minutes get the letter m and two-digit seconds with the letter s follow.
8h43
